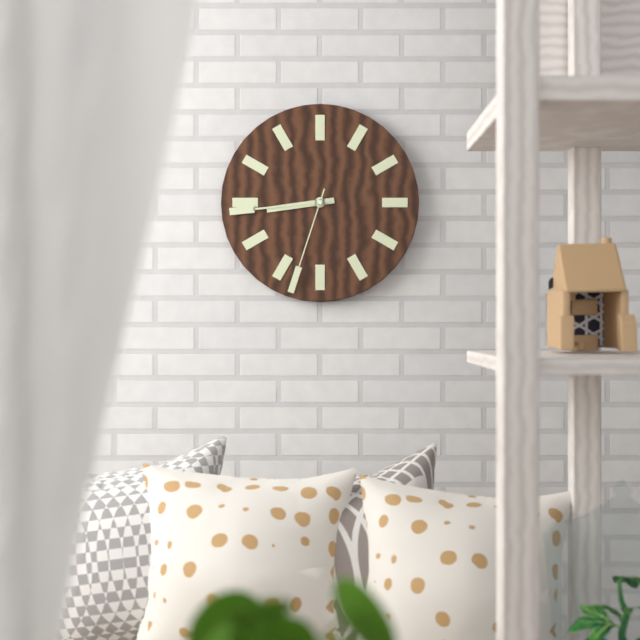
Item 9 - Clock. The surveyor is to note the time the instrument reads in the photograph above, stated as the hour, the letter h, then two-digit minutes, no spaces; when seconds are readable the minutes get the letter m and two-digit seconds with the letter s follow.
8h44m33s
